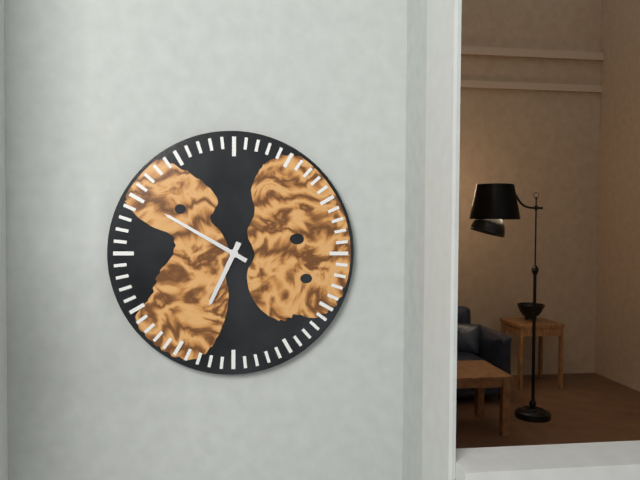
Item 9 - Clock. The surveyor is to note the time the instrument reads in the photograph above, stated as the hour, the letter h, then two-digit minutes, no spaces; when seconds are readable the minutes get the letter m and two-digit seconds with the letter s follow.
6h50
